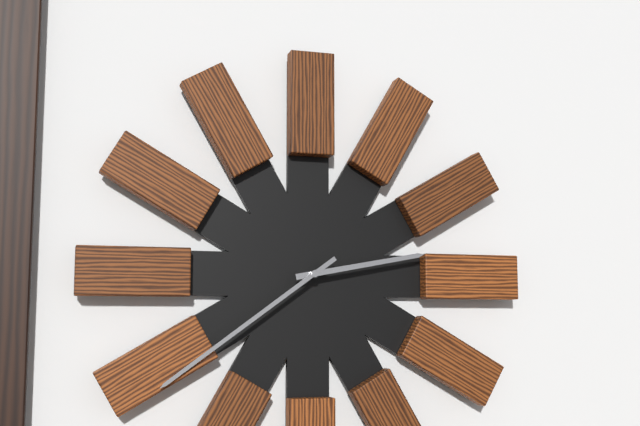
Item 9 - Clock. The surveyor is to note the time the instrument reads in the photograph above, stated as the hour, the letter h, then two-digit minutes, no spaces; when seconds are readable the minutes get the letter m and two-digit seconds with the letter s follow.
2h39
